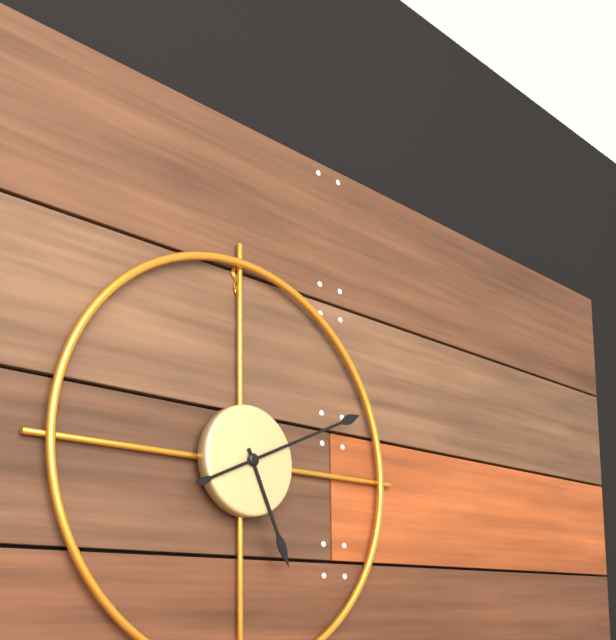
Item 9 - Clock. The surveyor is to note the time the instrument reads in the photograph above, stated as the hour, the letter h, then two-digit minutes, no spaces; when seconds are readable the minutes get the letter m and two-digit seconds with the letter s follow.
5h11
